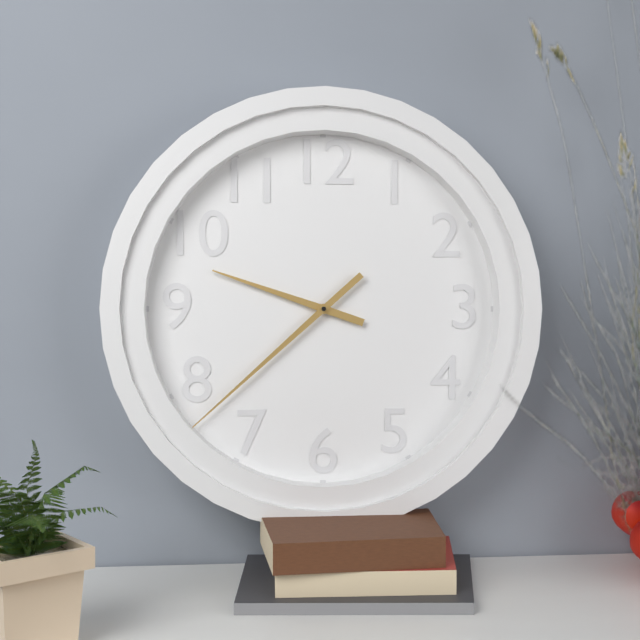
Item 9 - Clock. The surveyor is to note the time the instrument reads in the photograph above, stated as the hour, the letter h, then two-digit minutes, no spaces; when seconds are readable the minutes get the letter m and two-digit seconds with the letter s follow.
9h38
